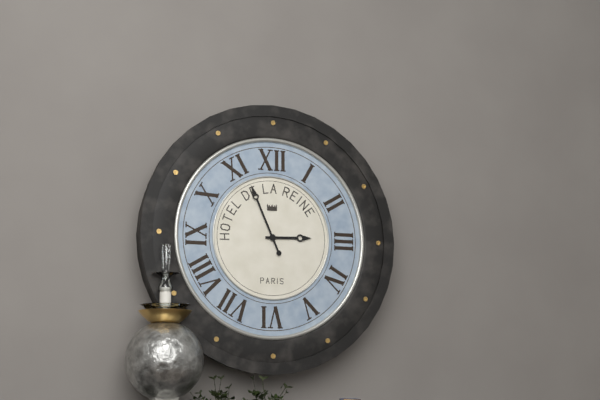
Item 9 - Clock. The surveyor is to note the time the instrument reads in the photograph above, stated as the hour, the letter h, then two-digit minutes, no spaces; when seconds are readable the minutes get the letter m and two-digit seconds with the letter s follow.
2h56
